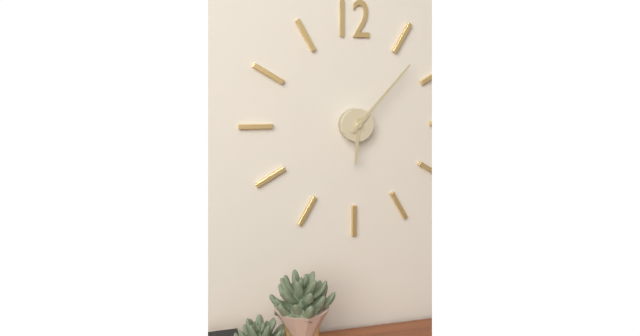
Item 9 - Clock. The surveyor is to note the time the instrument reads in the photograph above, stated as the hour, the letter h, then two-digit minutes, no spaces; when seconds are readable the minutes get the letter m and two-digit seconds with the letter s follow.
6h07
